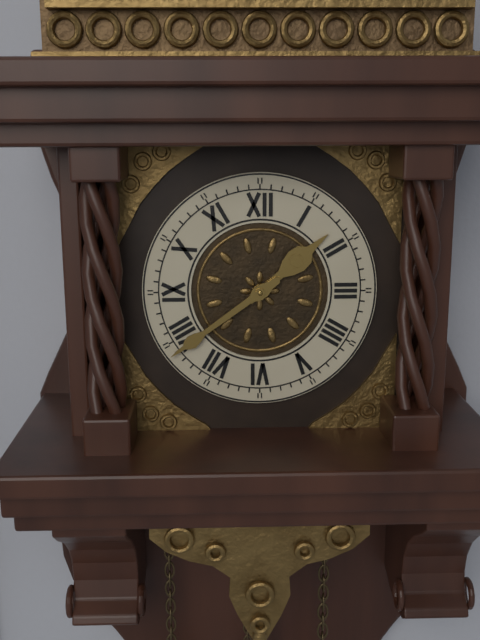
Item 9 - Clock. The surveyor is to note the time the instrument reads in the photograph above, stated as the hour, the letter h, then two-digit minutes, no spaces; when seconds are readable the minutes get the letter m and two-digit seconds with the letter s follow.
1h39
